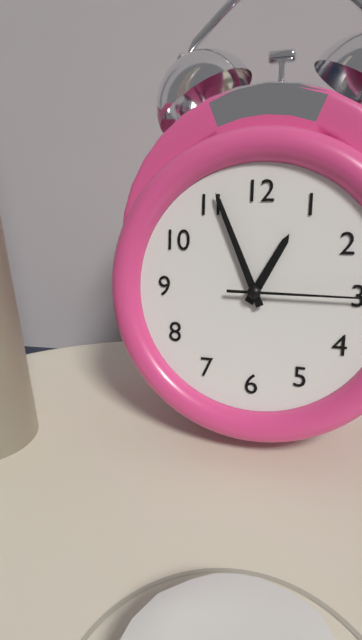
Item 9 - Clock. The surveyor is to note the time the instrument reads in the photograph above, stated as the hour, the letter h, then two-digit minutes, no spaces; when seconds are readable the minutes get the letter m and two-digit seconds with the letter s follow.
12h56
